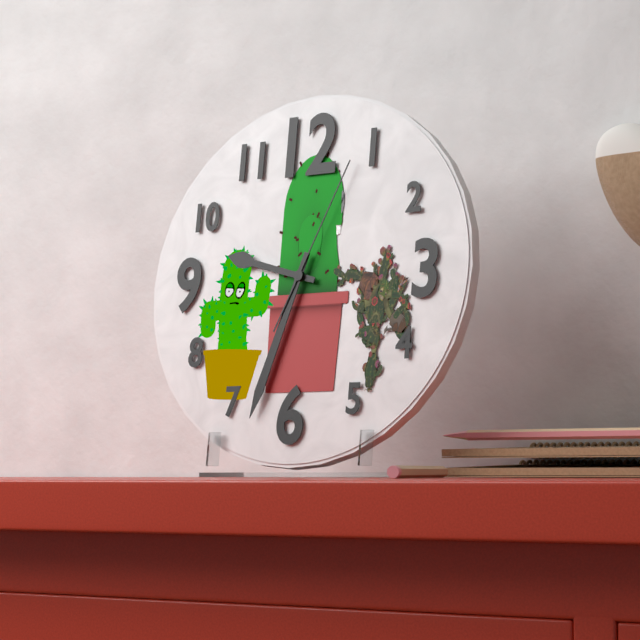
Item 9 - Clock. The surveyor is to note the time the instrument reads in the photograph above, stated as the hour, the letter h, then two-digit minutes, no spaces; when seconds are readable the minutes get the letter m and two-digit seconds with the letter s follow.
9h33m04s
